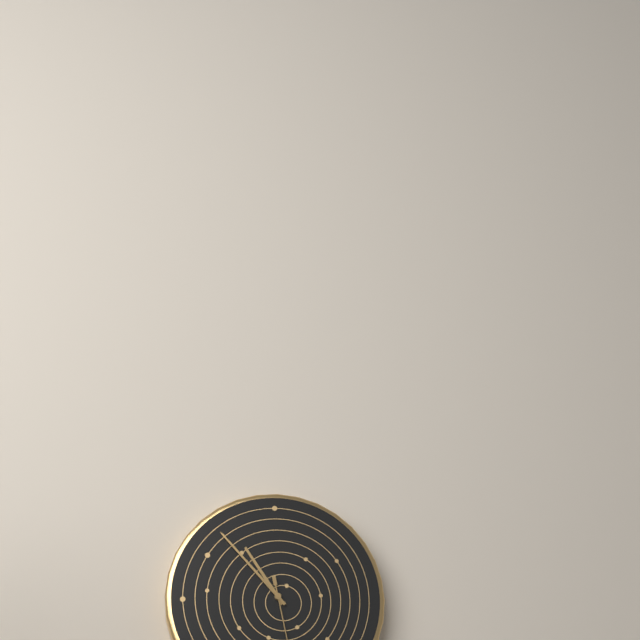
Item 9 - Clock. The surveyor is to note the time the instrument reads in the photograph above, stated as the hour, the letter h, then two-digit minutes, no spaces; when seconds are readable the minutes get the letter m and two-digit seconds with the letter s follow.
10h53
